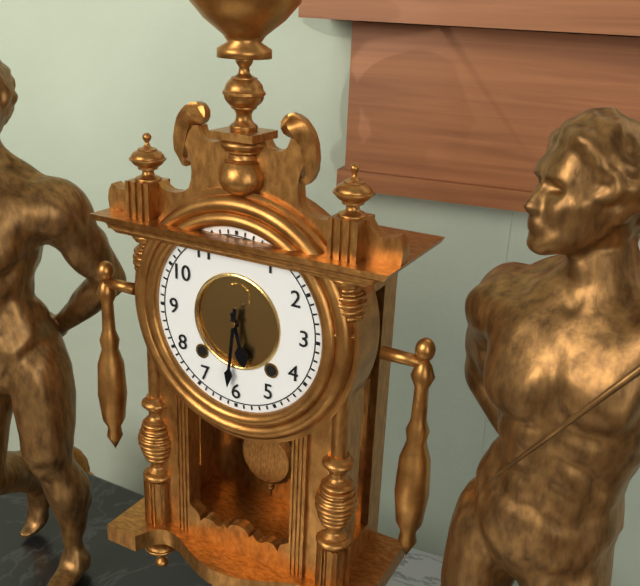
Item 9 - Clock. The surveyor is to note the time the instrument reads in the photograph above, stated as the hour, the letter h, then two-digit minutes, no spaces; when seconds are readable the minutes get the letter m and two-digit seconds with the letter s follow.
5h31
